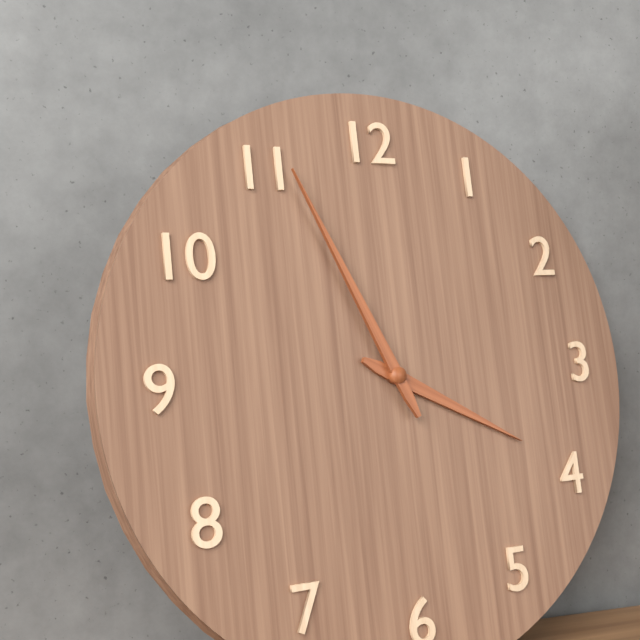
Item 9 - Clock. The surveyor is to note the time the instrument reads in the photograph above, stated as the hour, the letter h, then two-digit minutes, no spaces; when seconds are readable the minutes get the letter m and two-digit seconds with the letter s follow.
3h56
